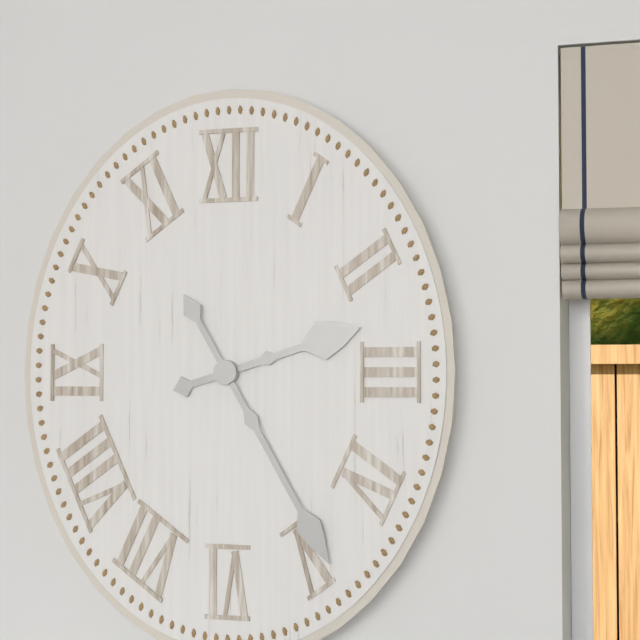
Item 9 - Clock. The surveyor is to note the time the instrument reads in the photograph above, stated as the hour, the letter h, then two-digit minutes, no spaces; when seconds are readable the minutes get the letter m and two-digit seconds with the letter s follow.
2h25
